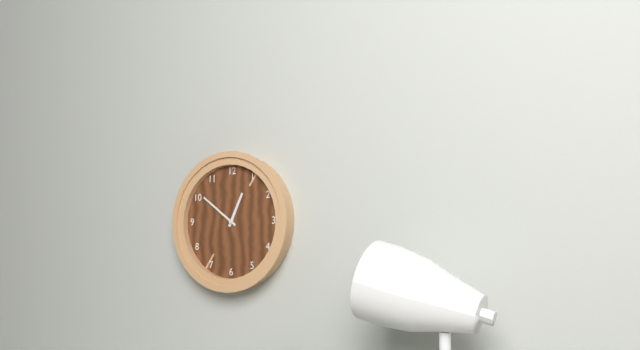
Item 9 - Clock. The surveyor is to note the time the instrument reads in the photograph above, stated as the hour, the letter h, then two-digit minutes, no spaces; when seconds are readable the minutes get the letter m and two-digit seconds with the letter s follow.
12h51
